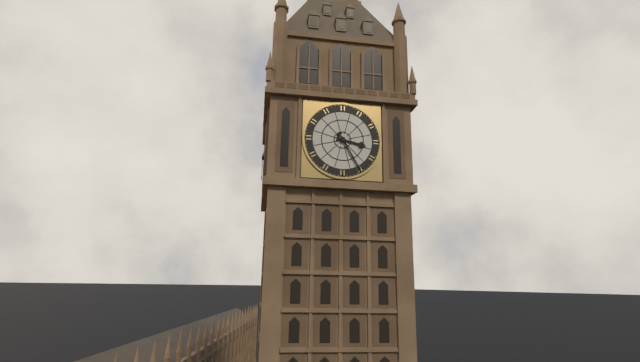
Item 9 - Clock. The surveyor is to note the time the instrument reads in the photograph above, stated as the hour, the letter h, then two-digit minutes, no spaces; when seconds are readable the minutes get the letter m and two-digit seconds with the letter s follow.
3h25
